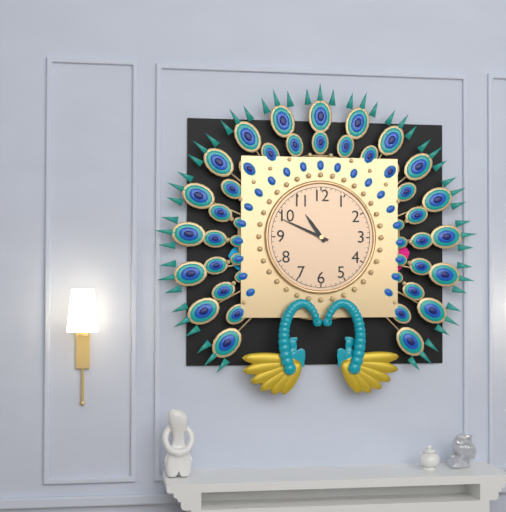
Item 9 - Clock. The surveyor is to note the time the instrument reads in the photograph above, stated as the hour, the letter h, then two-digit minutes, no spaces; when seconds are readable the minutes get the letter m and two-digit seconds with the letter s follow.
10h49
